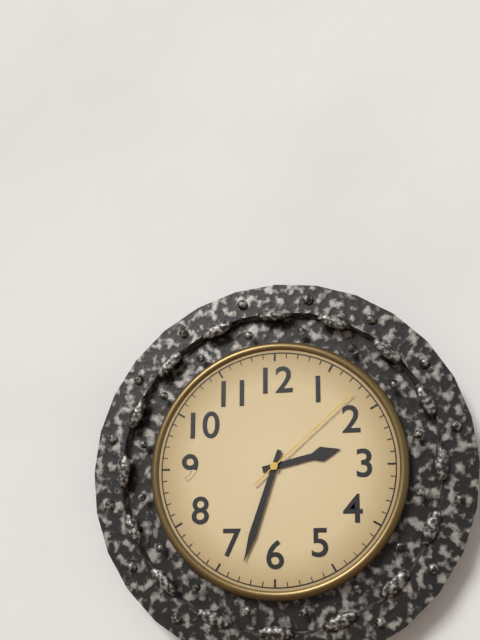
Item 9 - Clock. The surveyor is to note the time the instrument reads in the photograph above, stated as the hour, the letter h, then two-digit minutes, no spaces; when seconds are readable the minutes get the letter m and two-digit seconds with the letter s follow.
2h33m08s
